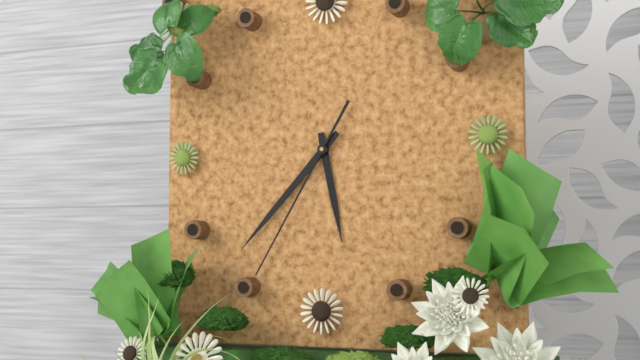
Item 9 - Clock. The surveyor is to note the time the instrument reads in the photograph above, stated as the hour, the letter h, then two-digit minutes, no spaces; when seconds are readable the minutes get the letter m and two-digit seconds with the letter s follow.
5h37m35s
